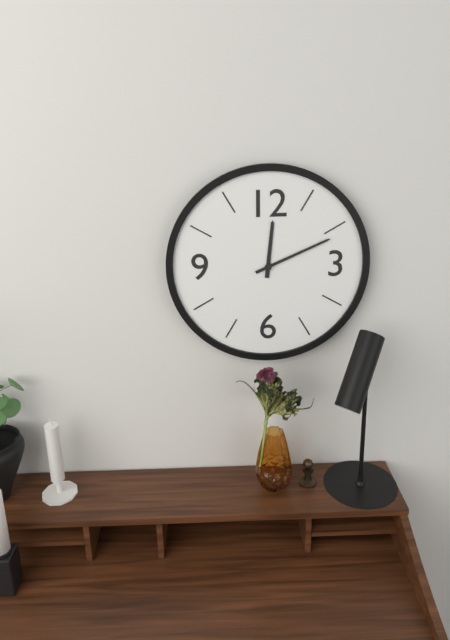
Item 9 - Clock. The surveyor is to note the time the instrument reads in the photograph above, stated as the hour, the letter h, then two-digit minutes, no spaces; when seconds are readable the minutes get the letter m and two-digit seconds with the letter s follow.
12h11
